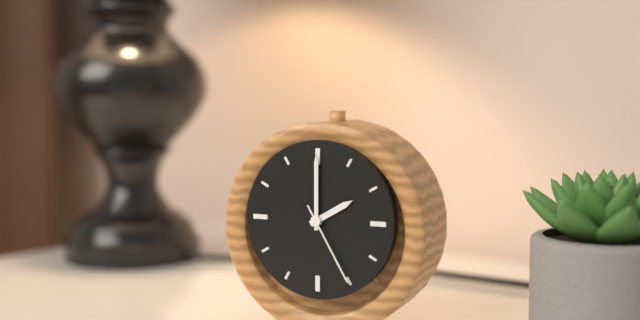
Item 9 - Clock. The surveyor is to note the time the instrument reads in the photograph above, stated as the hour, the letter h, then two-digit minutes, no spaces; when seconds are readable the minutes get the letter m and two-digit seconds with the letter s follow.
2h00m25s
